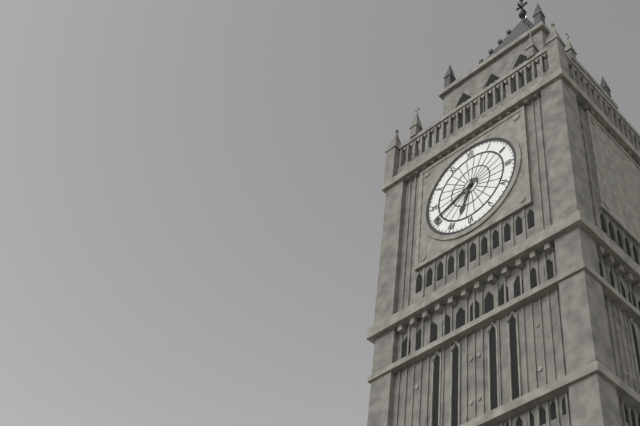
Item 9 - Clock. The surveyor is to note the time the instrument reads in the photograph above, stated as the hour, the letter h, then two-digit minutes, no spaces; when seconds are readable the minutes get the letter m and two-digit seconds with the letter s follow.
6h41
